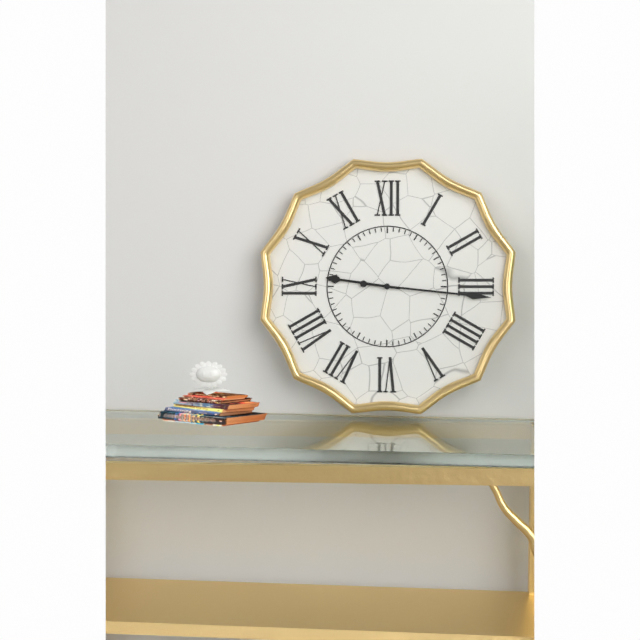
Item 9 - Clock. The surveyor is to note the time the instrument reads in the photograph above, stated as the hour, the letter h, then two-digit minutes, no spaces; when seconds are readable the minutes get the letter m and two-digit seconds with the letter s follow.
9h16
